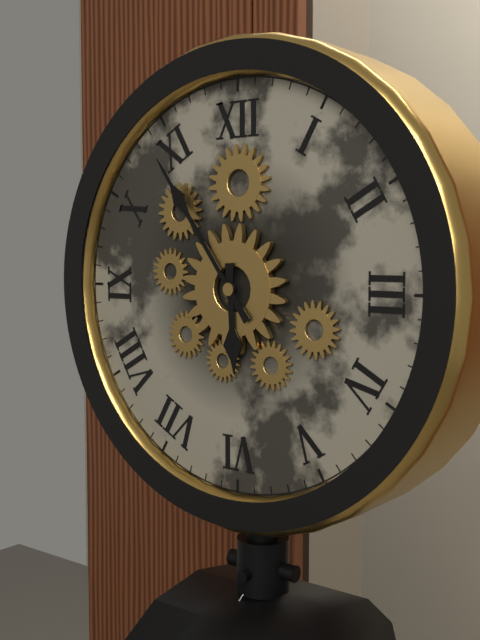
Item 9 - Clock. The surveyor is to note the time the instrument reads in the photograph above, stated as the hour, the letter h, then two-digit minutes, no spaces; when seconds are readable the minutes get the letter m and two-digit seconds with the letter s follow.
5h54
